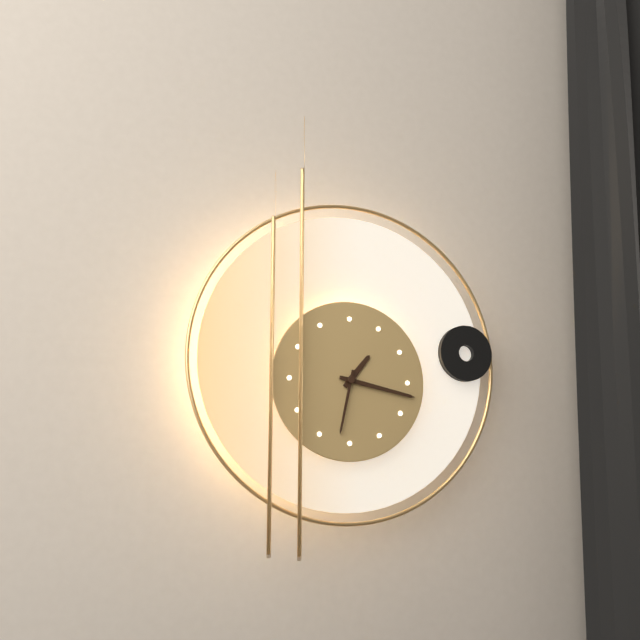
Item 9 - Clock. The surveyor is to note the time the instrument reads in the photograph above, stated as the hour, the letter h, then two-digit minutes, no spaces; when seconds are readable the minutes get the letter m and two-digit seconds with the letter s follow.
1h17m32s
